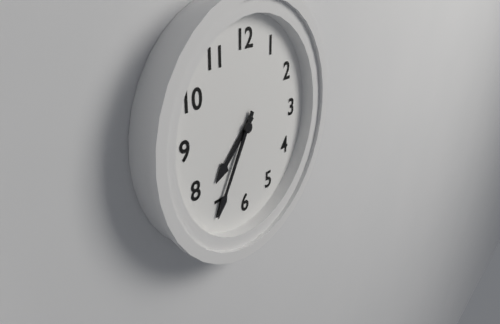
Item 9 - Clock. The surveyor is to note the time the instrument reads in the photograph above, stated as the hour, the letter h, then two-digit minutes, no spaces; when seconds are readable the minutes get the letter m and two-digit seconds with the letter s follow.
7h35
